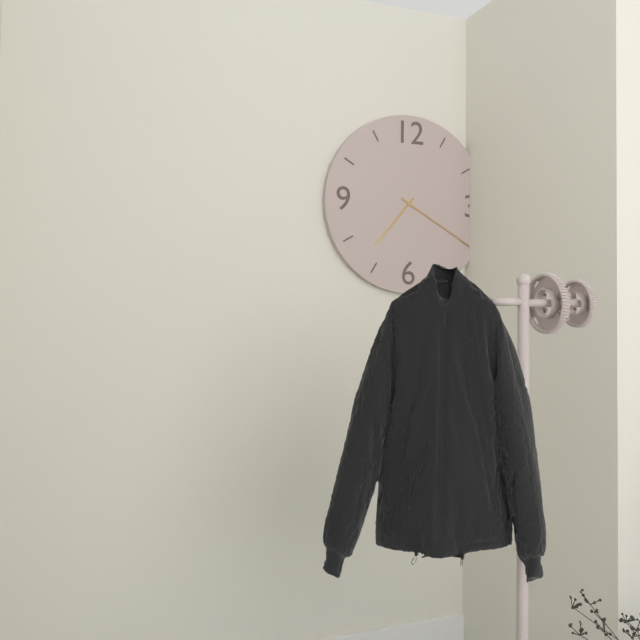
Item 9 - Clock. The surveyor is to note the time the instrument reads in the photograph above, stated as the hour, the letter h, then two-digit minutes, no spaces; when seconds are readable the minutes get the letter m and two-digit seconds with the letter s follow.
7h20
